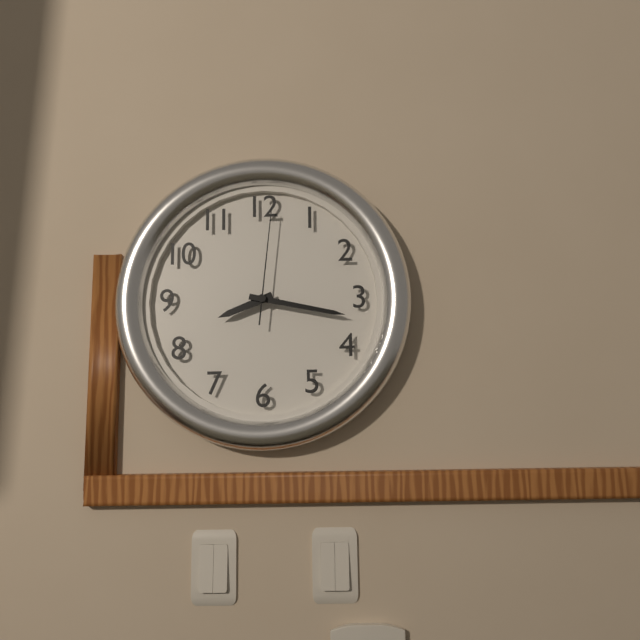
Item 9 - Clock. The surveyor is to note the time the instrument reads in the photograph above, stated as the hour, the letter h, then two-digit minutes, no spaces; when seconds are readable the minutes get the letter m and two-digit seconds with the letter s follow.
8h17m01s
